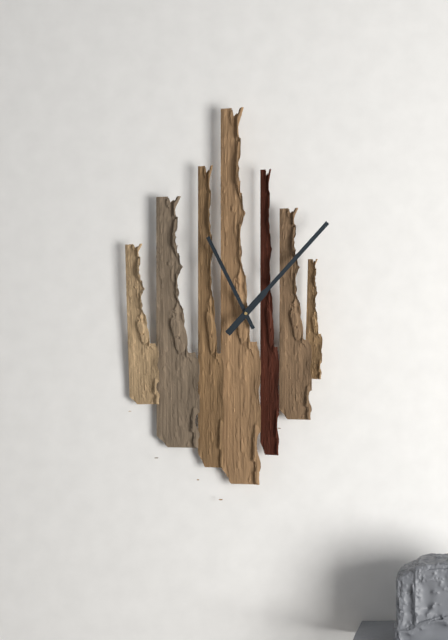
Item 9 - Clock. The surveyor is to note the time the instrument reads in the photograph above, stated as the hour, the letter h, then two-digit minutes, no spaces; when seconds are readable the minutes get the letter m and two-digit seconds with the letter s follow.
11h07
